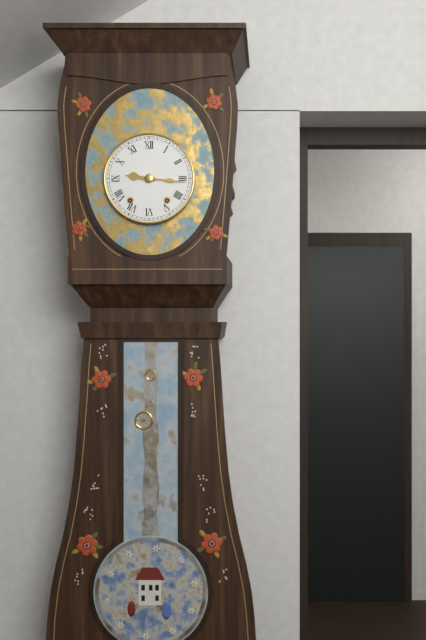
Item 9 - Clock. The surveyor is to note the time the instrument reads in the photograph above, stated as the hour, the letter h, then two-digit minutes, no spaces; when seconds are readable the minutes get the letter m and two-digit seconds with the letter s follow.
9h16
